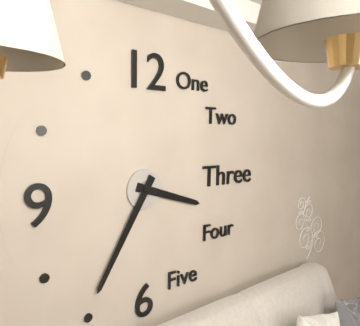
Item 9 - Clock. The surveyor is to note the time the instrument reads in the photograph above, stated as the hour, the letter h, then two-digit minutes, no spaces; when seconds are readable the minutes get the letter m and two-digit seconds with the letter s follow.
3h35
